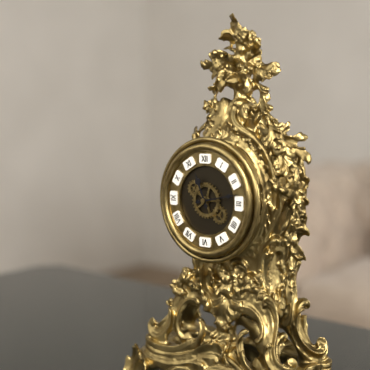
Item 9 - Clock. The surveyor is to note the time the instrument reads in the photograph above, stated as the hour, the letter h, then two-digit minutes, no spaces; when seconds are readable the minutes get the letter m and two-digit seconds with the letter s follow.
11h13
